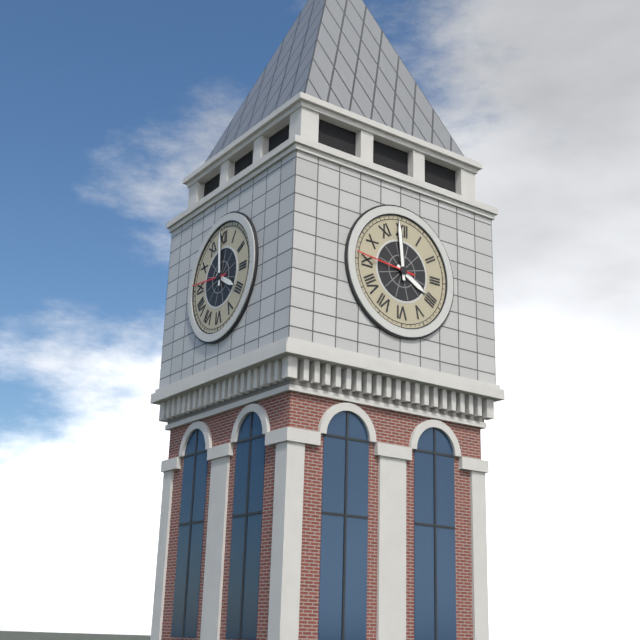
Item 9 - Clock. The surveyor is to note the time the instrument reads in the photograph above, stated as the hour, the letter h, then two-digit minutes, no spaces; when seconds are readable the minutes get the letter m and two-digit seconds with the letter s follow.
3h59m46s
